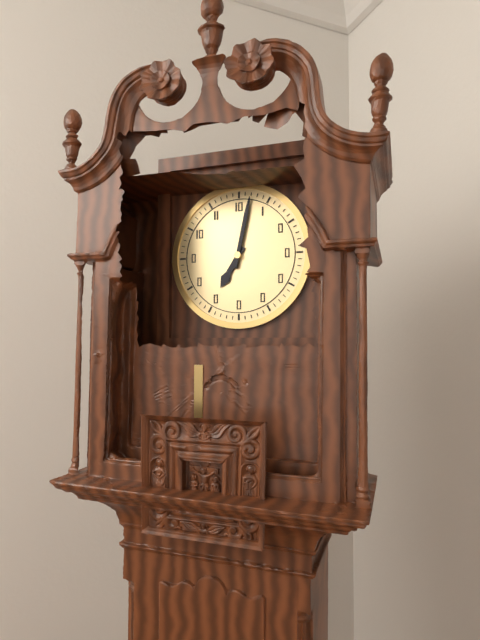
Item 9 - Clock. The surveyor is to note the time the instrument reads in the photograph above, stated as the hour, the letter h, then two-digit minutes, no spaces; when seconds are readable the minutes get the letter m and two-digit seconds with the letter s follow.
7h02
